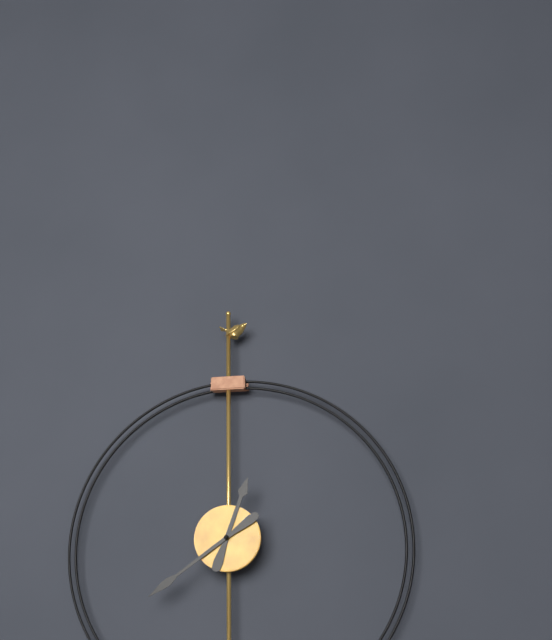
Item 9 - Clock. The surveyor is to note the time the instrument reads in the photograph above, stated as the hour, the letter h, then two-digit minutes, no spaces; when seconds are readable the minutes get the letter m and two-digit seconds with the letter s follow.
12h39
